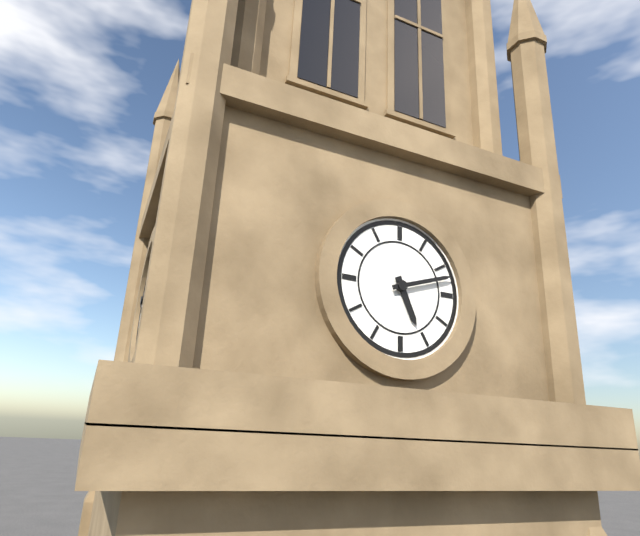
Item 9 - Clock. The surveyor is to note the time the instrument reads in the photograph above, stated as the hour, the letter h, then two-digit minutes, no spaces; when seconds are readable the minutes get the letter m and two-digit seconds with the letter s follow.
5h12
